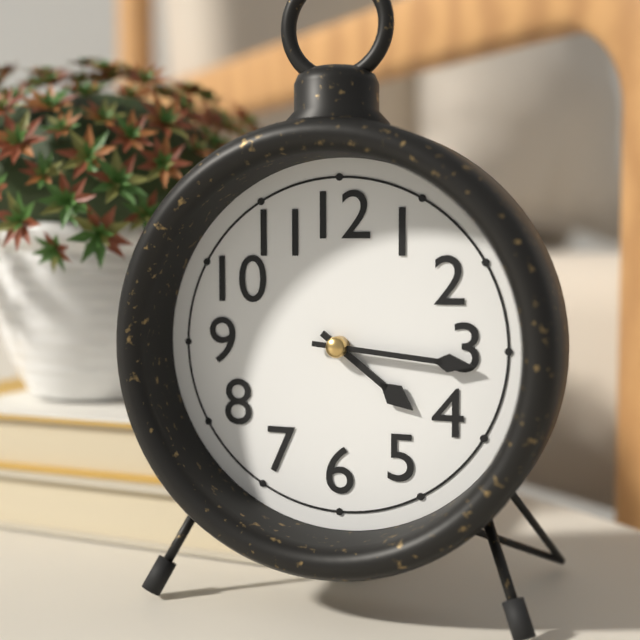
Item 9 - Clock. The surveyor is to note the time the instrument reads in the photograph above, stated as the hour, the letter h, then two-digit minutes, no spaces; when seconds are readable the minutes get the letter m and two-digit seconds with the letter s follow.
4h16
